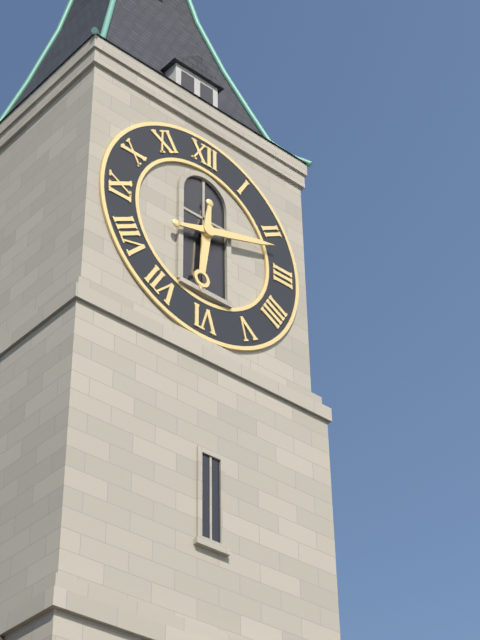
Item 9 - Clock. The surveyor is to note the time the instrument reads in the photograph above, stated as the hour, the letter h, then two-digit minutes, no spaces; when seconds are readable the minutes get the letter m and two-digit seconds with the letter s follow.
6h12
